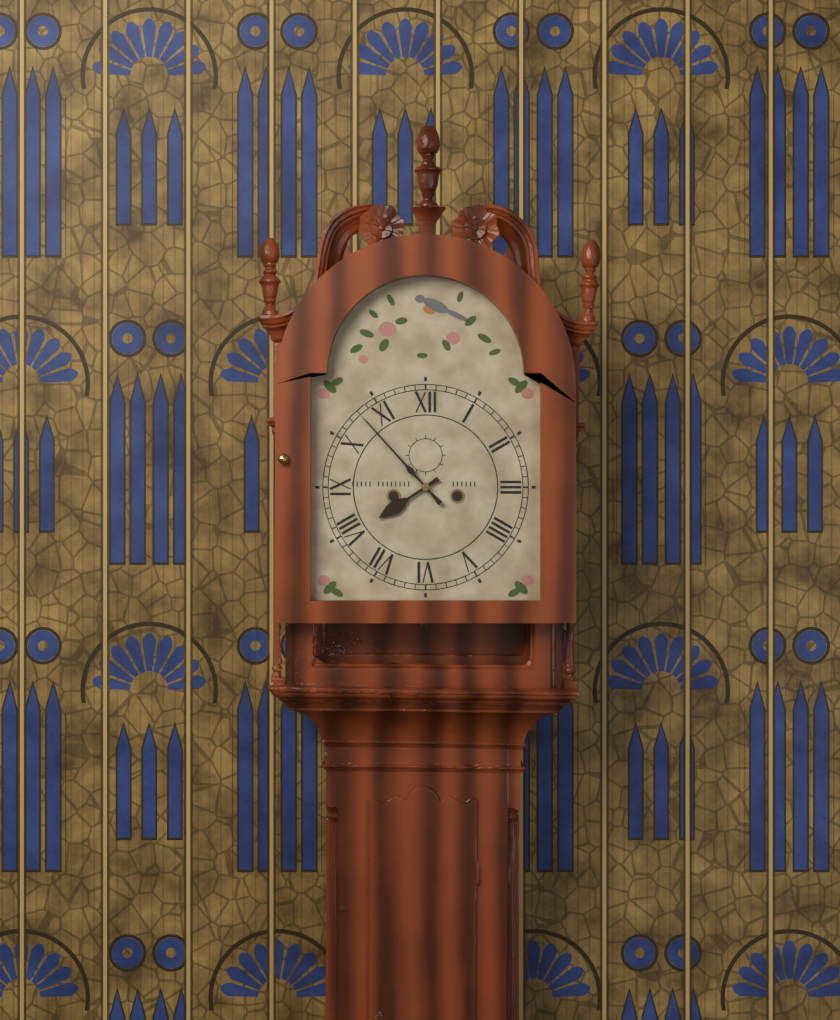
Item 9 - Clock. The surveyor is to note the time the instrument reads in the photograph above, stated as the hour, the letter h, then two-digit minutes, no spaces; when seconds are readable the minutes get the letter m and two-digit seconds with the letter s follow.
7h53
